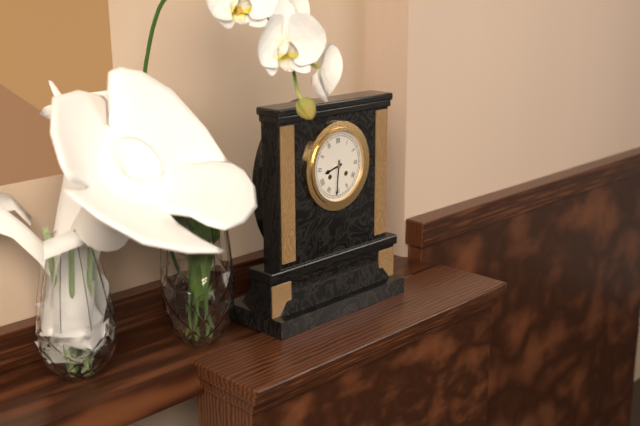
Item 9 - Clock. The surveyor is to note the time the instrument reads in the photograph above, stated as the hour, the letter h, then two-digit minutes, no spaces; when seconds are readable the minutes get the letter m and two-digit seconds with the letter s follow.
8h31
